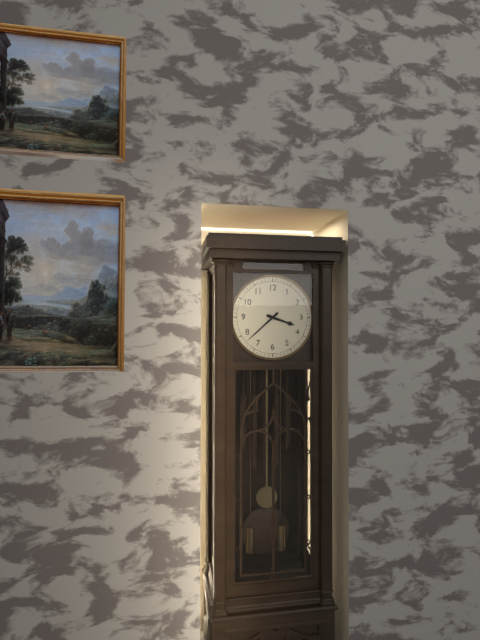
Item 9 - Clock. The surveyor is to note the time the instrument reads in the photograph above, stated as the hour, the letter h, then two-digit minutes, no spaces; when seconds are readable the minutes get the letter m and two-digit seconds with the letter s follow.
3h38
